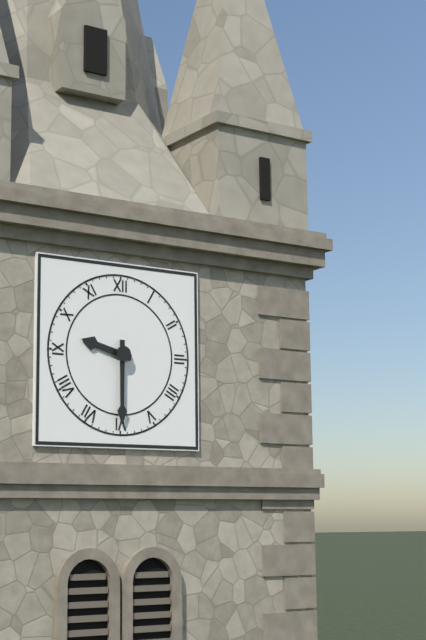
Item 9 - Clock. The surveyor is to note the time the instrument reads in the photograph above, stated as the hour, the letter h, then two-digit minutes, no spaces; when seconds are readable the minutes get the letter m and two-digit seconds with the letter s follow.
9h30
